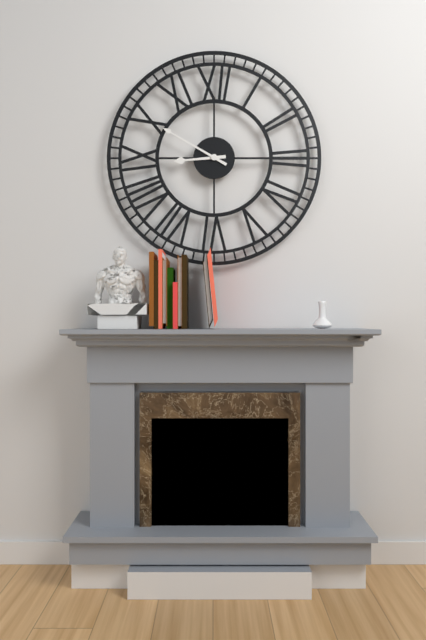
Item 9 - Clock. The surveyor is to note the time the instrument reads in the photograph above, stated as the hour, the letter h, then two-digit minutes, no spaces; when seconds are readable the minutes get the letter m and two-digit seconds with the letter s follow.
8h50
